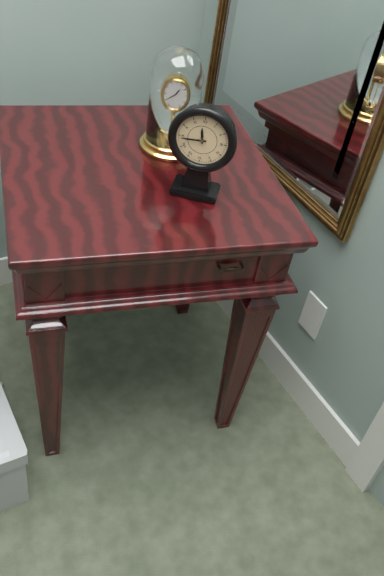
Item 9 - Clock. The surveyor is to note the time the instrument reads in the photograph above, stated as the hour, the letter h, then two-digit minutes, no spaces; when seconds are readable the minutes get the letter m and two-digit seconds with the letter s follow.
11h44
